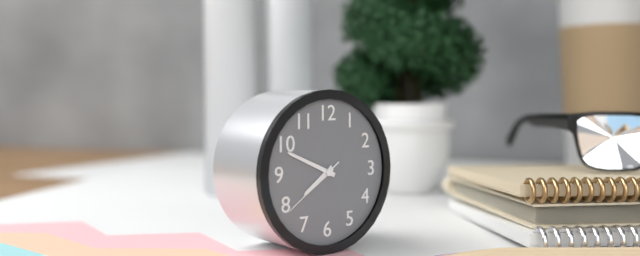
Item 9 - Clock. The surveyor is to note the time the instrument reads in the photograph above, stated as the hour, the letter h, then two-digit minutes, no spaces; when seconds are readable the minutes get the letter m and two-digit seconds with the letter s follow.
7h49m39s
